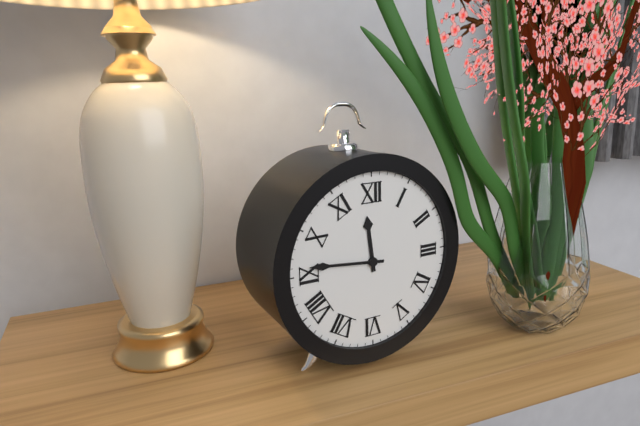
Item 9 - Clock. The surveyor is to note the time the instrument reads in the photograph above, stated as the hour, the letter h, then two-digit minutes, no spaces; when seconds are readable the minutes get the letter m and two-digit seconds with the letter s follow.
11h46
